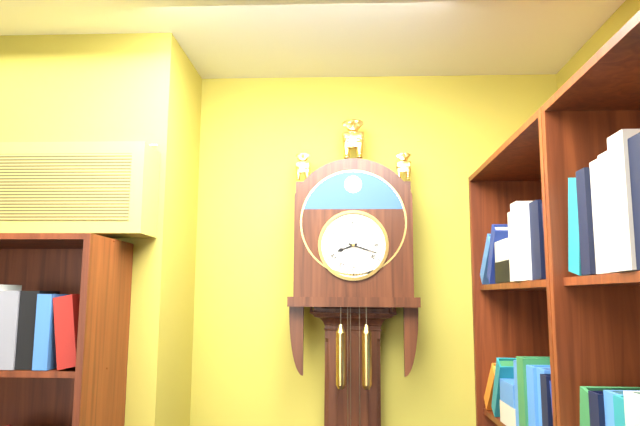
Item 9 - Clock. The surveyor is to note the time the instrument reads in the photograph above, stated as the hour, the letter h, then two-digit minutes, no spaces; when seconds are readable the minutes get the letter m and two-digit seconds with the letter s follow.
8h18
